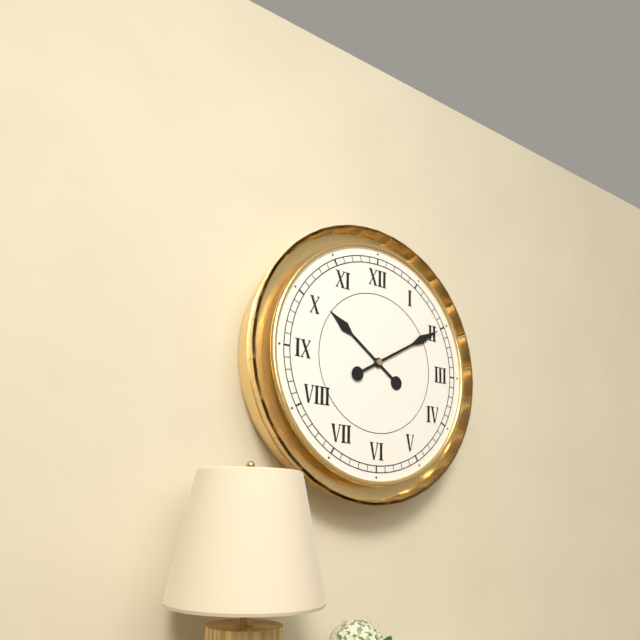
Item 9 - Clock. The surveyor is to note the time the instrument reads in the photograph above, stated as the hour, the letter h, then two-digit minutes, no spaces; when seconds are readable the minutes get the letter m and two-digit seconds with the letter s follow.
10h10
